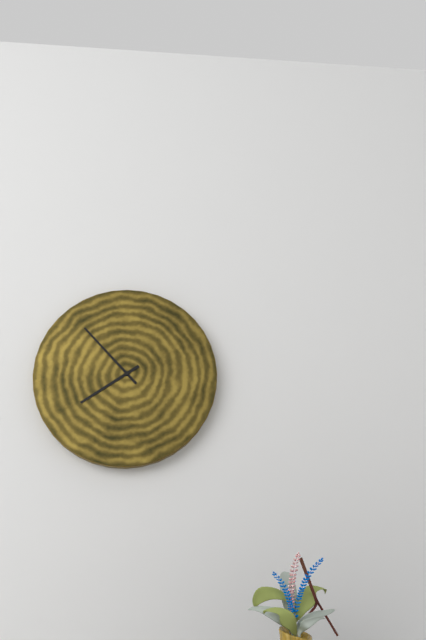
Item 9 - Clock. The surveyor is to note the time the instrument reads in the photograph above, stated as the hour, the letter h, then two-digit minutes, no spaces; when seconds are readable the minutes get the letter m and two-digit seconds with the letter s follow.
7h53
